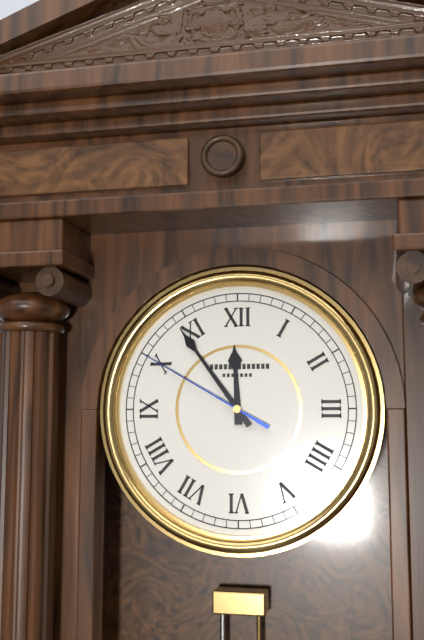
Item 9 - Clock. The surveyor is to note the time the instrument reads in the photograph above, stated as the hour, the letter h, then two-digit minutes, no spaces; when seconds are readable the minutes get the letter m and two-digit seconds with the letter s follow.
11h54m50s
